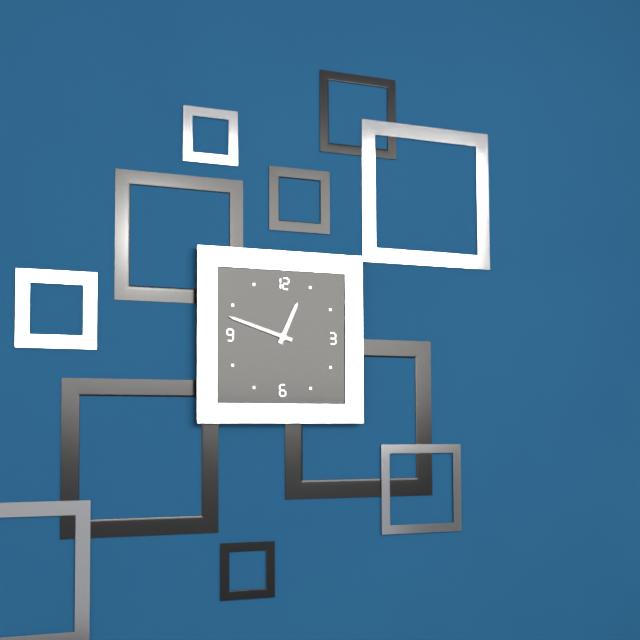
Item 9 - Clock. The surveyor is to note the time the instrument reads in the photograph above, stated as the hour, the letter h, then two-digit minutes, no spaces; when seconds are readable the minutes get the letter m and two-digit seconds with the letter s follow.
12h48
